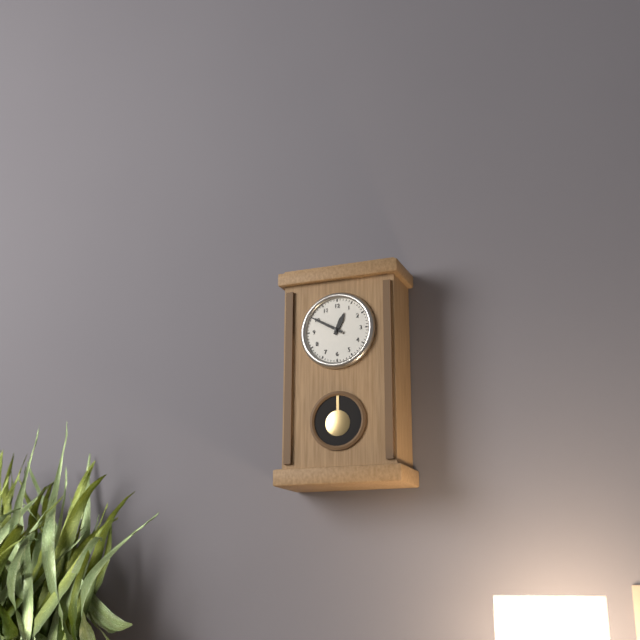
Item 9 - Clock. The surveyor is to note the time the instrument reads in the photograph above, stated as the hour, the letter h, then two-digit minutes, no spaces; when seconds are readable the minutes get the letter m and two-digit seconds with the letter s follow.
12h50
